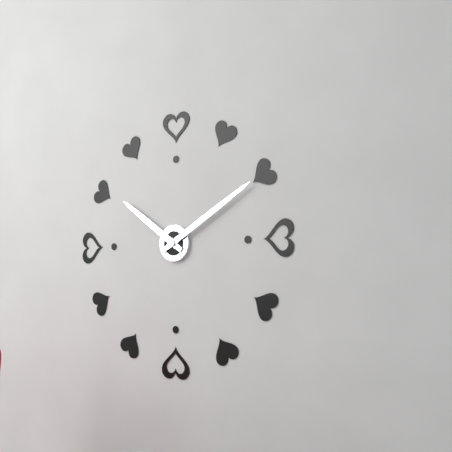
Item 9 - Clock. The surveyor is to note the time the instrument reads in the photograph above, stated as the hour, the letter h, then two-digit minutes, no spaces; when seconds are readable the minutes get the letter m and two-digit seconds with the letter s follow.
10h10
